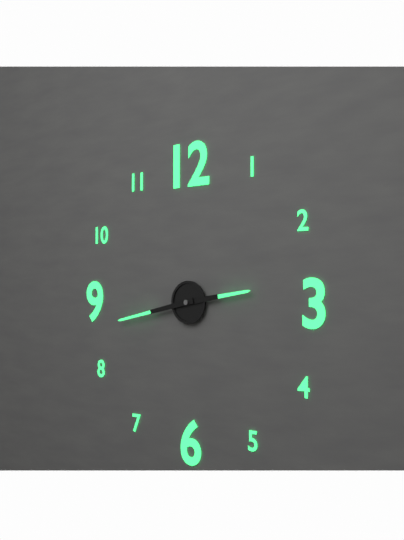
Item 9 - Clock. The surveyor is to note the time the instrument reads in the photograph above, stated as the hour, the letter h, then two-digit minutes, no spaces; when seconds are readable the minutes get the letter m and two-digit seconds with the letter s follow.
2h43
